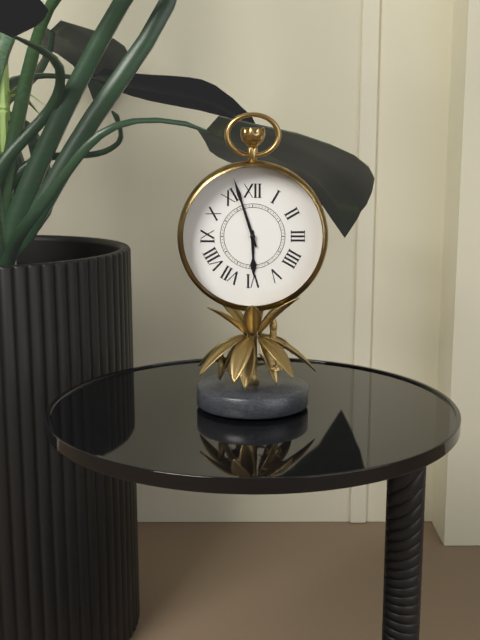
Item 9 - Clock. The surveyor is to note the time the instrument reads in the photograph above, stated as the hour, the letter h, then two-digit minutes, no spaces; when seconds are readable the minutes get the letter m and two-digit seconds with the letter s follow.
5h57
